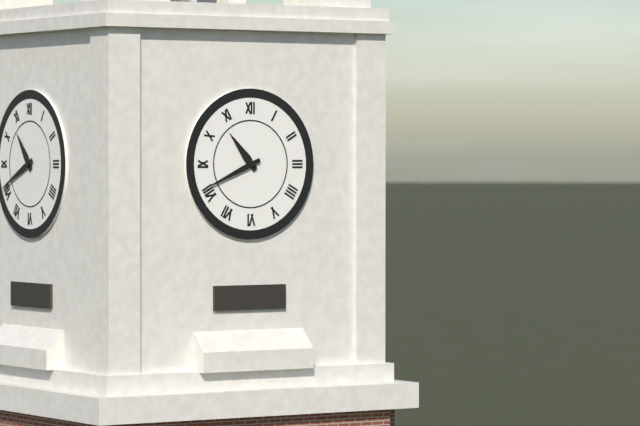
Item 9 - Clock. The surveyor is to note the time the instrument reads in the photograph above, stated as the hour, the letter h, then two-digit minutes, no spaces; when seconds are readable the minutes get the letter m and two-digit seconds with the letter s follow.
10h41
